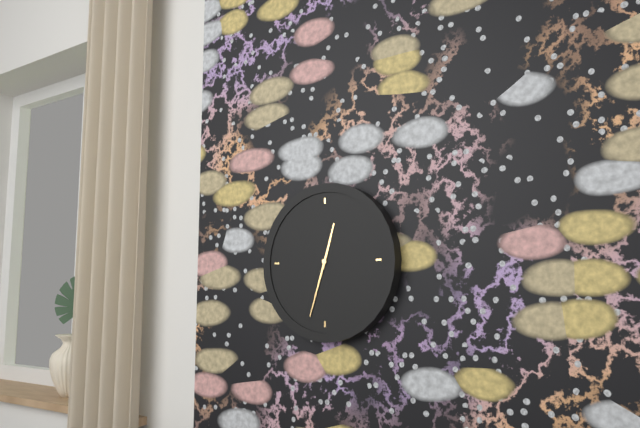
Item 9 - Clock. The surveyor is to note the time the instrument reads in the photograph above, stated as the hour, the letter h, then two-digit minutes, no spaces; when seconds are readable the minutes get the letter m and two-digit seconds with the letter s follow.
12h33
